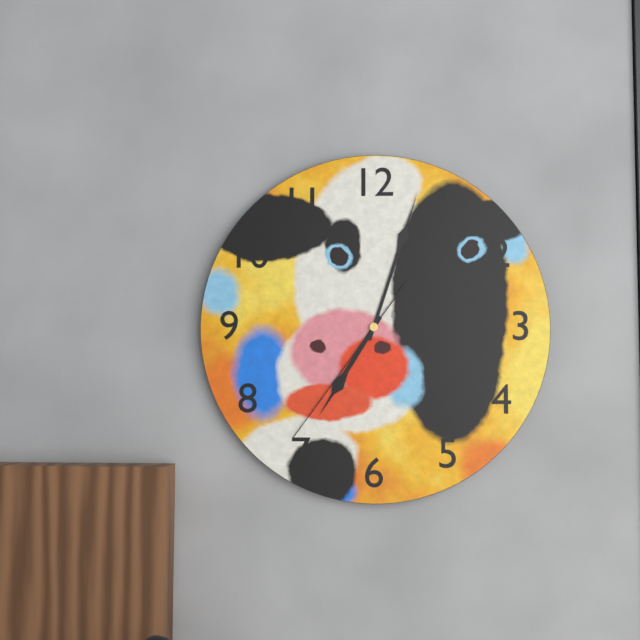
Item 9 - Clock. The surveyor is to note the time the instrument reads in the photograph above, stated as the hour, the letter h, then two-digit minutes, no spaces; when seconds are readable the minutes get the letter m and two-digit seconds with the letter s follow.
7h03m36s
